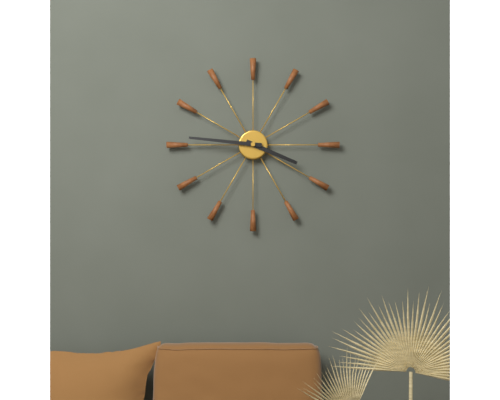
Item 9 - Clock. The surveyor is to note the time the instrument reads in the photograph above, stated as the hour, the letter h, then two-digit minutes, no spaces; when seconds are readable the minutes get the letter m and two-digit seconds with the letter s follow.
3h46
